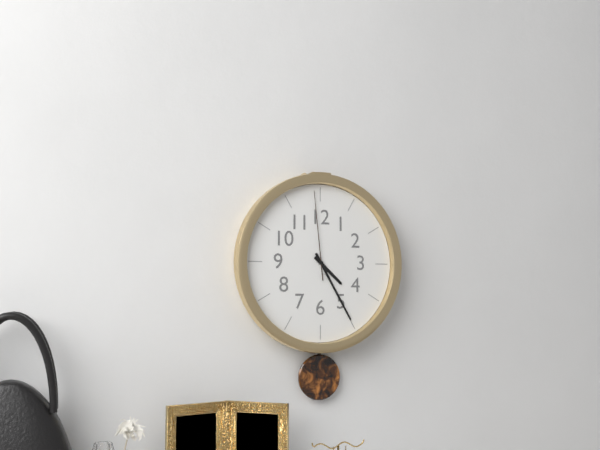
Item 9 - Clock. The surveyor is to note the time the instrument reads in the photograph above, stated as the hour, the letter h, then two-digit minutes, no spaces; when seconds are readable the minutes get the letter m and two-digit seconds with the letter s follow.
4h25m59s
